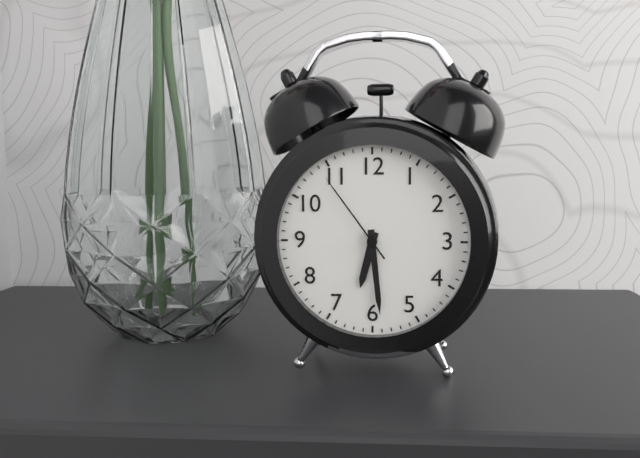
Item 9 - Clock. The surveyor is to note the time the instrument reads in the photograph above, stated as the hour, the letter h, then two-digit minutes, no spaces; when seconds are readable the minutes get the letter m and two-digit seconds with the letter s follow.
6h29m54s
